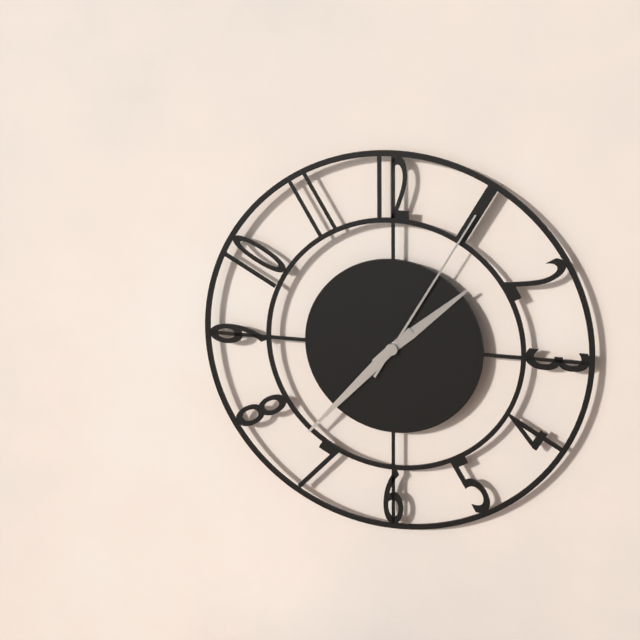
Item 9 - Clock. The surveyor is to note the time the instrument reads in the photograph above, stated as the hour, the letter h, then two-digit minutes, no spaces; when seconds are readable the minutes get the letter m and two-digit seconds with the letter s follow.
1h37m05s
